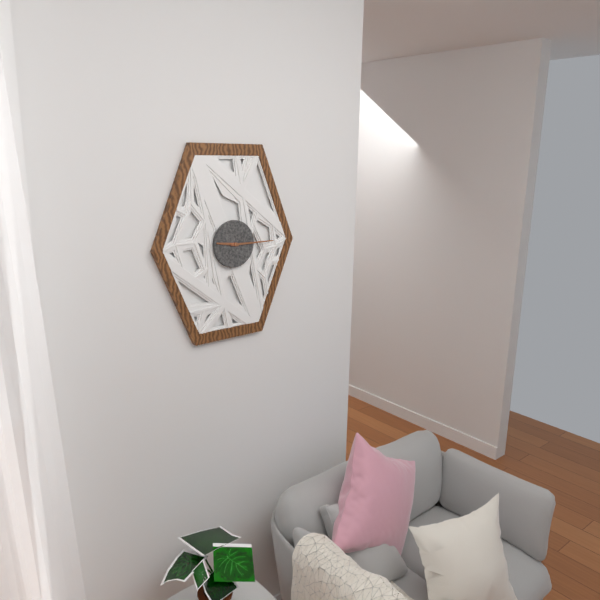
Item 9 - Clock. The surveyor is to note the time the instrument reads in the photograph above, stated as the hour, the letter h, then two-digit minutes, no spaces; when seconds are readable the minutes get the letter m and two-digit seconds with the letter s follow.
9h15
